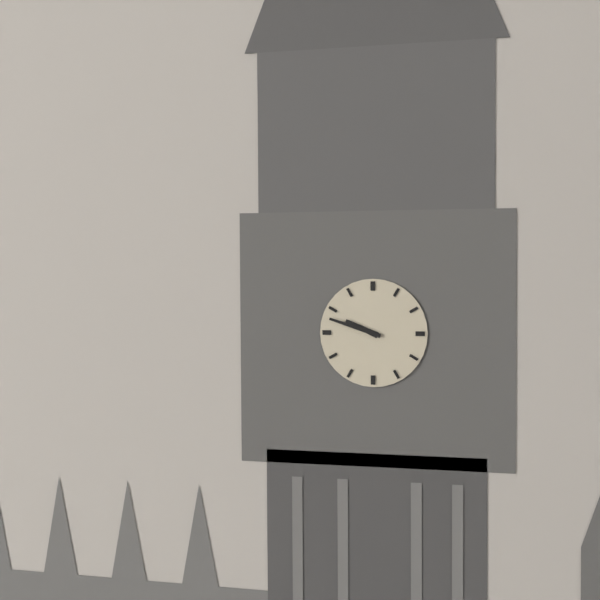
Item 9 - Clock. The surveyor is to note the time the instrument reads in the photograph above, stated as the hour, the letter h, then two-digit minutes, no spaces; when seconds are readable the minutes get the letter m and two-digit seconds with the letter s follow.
9h48
